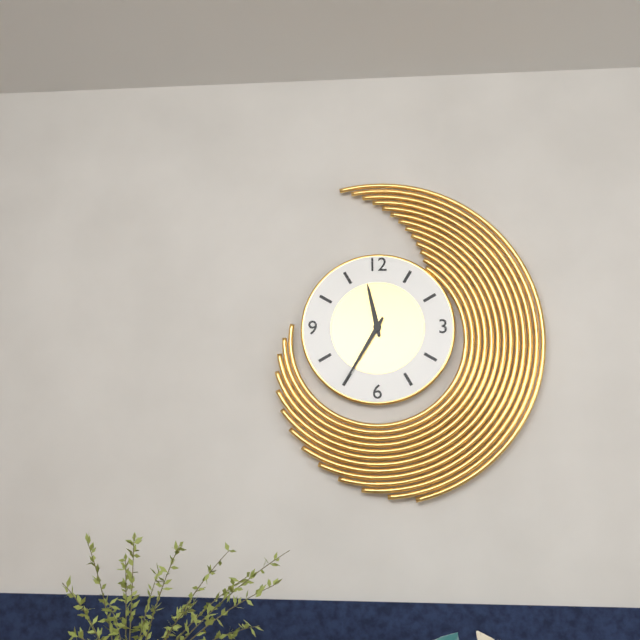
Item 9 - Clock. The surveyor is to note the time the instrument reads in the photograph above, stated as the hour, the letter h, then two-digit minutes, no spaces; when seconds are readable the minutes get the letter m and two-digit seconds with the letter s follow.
11h35
